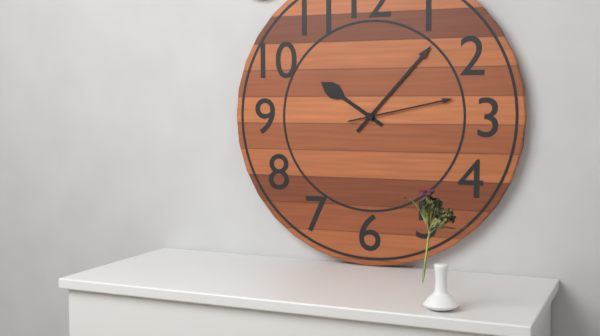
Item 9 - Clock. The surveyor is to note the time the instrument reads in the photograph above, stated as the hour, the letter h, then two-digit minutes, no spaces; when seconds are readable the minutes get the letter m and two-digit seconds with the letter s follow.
10h07m13s
